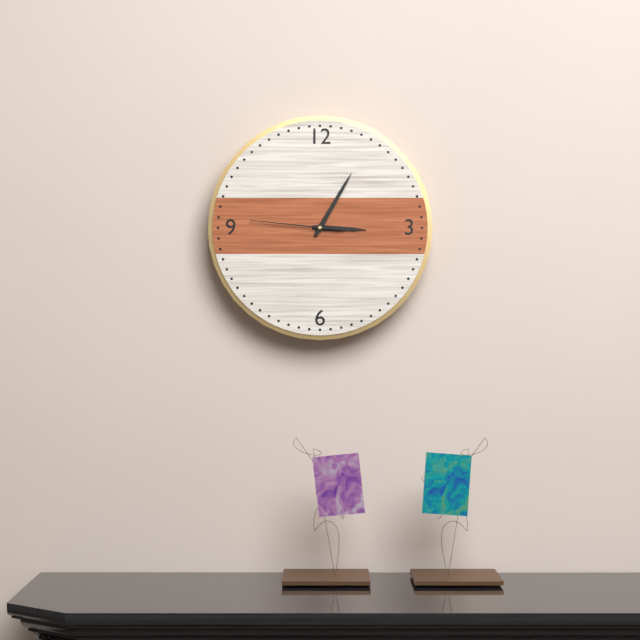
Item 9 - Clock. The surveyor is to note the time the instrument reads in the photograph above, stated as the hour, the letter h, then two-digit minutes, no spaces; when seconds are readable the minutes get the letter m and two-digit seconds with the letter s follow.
3h05m46s
